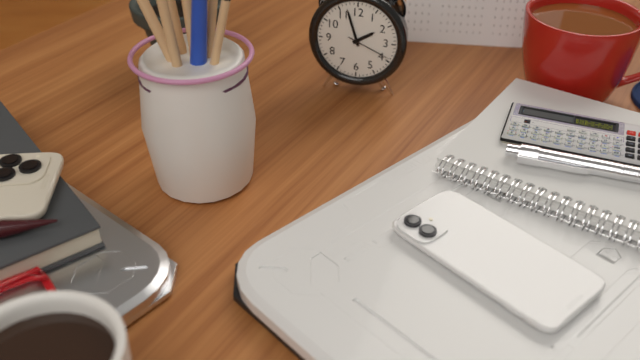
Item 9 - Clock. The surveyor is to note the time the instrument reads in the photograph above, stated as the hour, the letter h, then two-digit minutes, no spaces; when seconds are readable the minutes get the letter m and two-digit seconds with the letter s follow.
1h57
